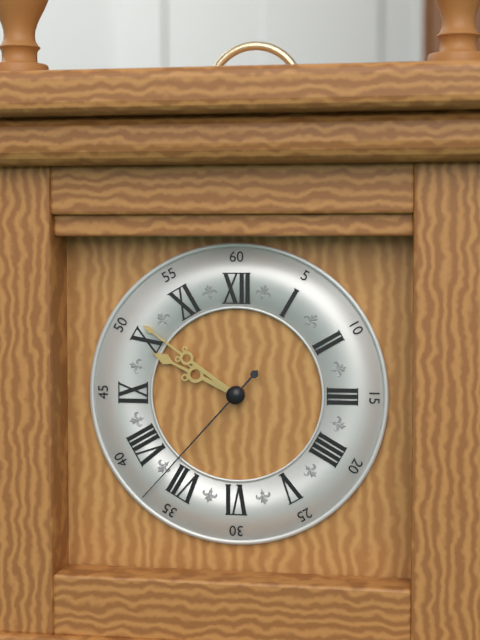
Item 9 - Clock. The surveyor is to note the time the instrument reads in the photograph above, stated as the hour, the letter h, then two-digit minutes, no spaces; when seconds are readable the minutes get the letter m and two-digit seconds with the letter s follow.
9h51m37s
